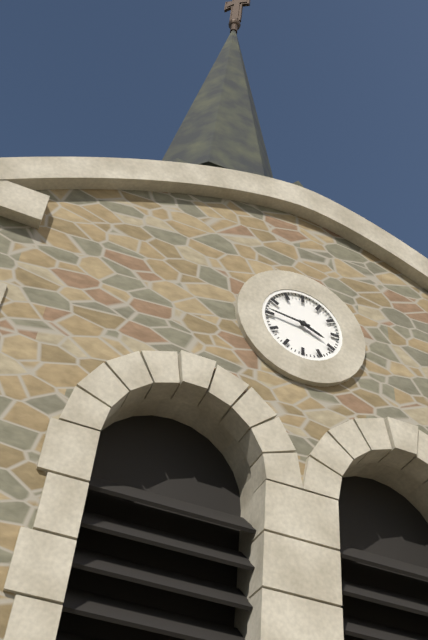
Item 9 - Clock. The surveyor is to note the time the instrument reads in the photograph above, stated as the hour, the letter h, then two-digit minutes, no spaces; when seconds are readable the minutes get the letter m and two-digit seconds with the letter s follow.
3h46
